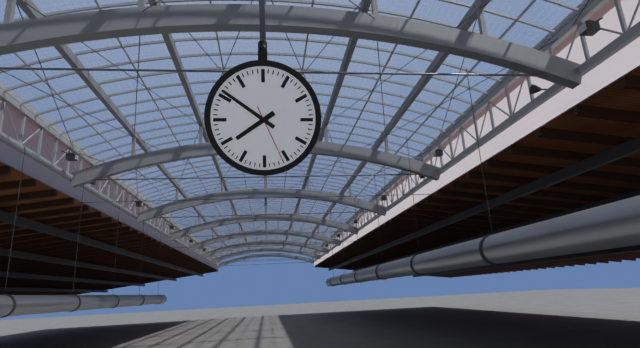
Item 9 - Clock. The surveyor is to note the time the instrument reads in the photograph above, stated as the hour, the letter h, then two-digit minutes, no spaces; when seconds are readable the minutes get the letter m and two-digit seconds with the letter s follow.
7h51m26s
